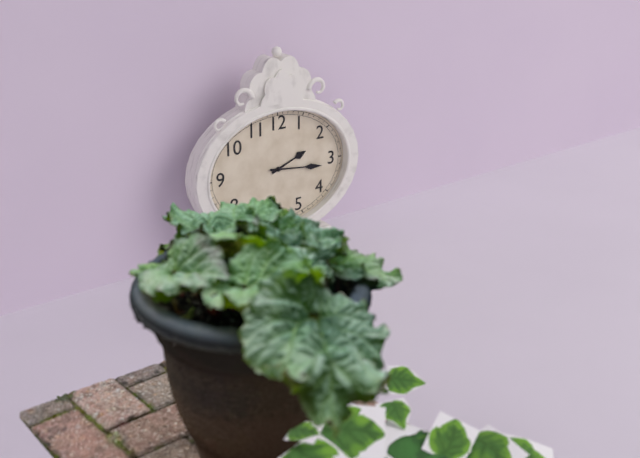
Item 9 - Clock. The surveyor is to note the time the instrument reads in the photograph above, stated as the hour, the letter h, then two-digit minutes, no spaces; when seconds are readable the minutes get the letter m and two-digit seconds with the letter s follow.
2h16
